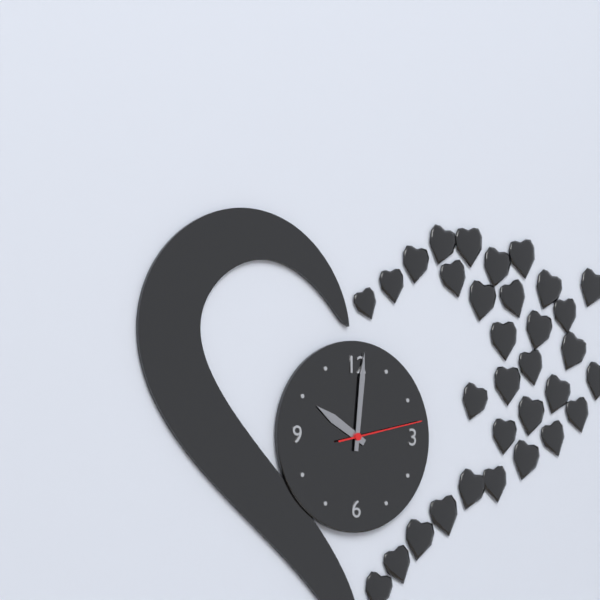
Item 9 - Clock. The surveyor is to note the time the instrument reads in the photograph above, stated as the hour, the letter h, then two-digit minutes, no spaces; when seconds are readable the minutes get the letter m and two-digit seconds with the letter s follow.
10h01m13s
